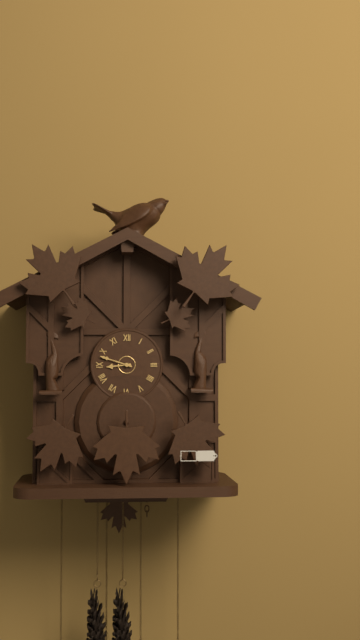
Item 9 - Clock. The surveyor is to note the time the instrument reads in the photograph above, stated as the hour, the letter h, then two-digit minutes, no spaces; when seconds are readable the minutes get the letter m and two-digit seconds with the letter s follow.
8h48
